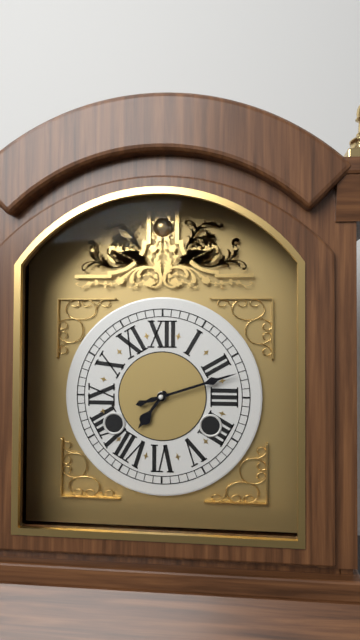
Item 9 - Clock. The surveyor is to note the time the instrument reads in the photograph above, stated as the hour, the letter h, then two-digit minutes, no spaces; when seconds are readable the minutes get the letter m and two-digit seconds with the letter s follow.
7h12
